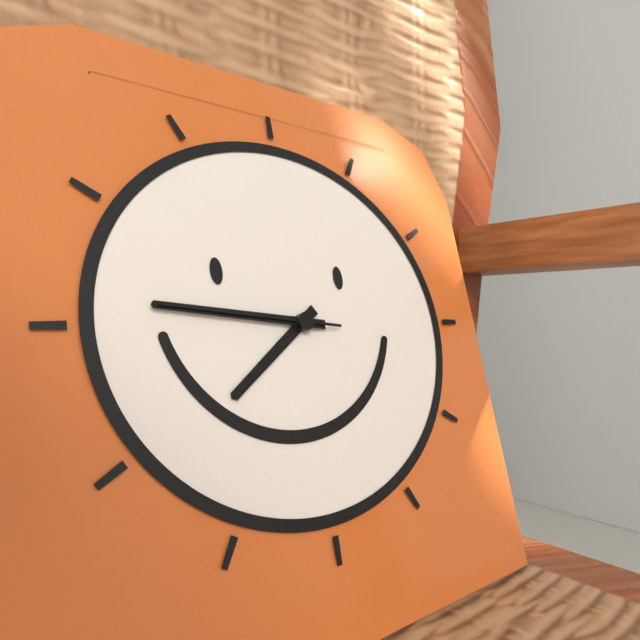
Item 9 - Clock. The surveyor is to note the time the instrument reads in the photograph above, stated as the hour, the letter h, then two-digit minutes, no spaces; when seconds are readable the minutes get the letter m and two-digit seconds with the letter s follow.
7h46m46s
